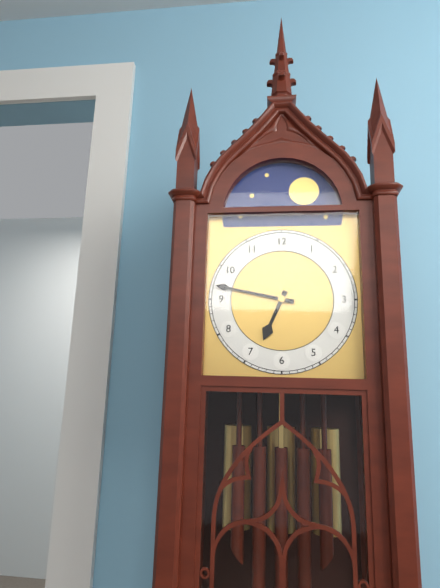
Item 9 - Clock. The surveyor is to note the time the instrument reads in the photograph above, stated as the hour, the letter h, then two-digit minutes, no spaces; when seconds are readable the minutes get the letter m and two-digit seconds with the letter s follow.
6h47
